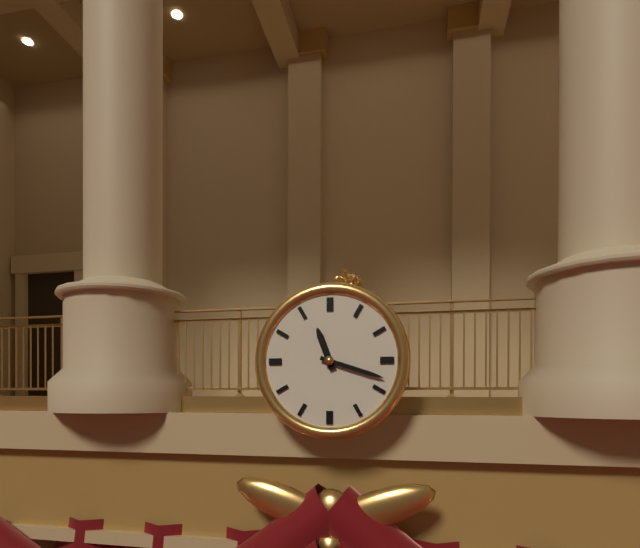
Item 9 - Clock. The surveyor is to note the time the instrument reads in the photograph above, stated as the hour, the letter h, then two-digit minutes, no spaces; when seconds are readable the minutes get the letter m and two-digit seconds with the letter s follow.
11h18
